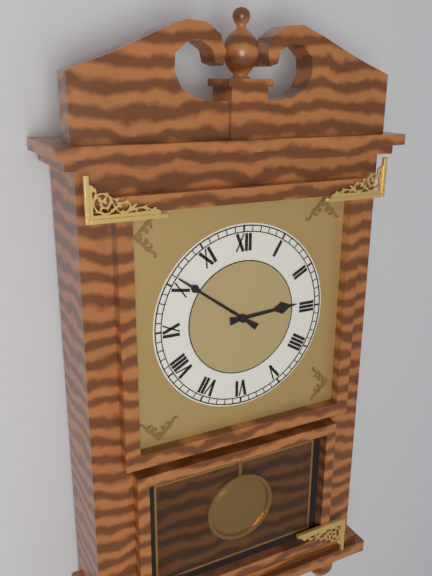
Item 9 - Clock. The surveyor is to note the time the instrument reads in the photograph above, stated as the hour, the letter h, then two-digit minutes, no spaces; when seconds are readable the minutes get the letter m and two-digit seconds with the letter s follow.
2h51
